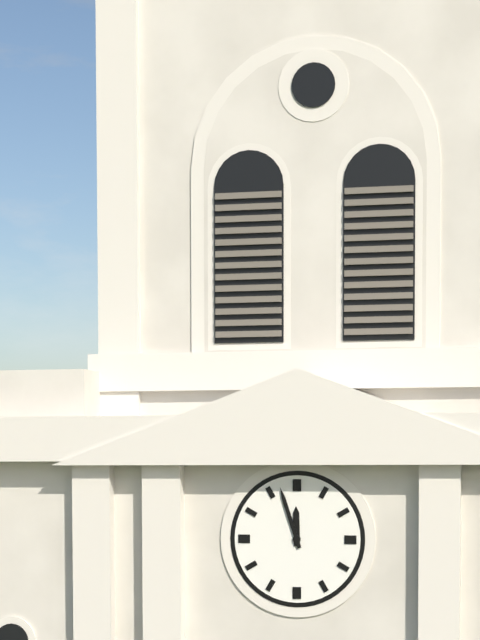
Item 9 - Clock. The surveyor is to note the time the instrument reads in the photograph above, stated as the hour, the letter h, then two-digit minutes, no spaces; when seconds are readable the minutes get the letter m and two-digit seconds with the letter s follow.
11h57
